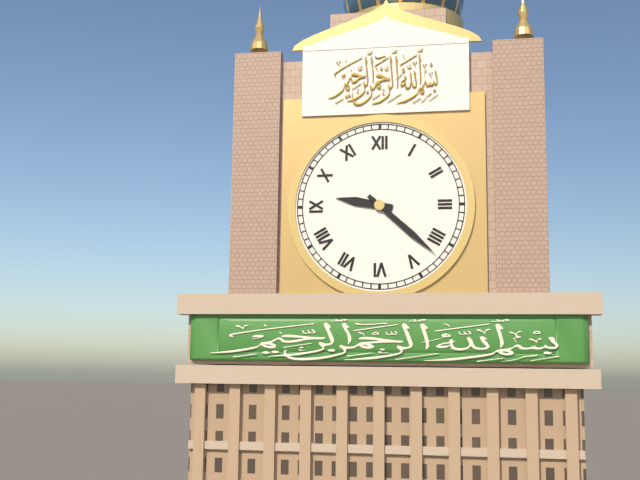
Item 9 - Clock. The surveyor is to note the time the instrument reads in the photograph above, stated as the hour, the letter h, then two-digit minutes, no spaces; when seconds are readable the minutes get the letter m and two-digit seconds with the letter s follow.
9h22
